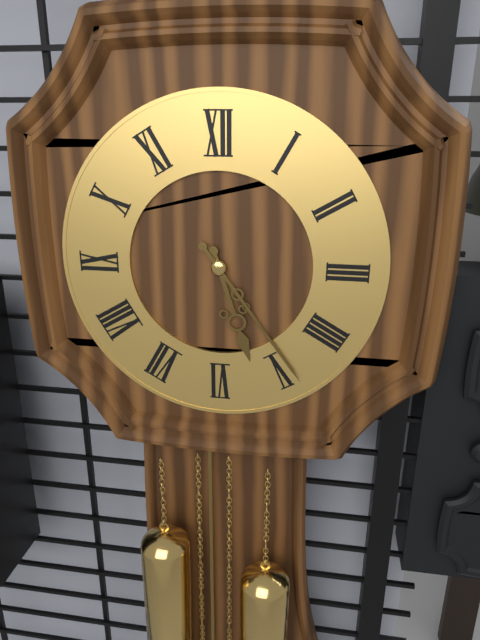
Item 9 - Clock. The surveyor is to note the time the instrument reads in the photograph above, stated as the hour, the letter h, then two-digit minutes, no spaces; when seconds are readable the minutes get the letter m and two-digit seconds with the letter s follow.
5h24
